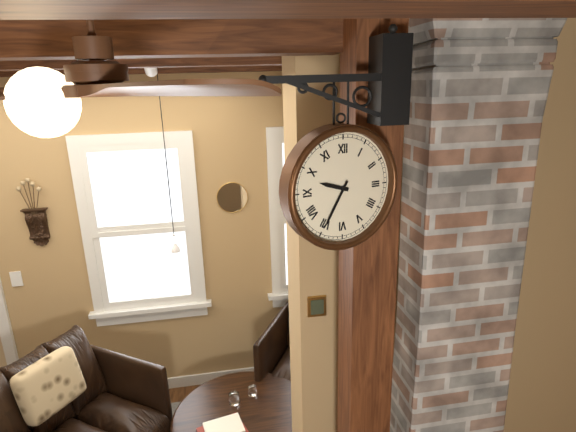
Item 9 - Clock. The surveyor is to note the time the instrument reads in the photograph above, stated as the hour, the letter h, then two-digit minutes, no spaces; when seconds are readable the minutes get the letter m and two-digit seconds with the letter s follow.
9h35
